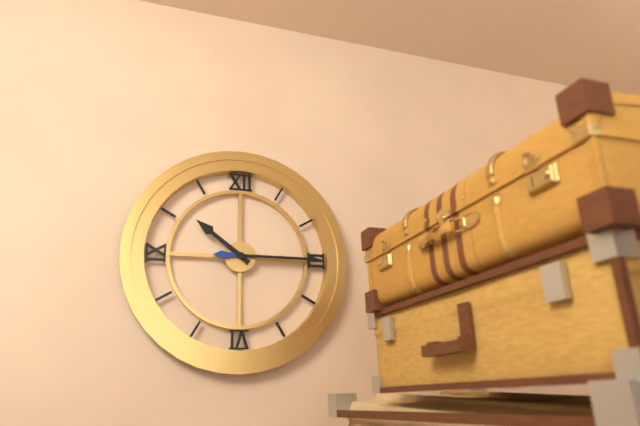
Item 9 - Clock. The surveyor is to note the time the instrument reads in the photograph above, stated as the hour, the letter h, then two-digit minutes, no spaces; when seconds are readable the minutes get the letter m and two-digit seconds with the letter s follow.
10h15
